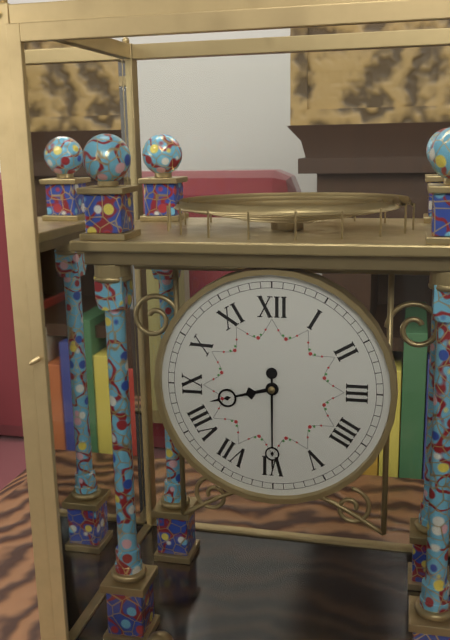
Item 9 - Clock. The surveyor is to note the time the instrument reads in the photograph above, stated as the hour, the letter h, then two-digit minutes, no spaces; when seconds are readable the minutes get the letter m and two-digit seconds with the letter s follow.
8h30
